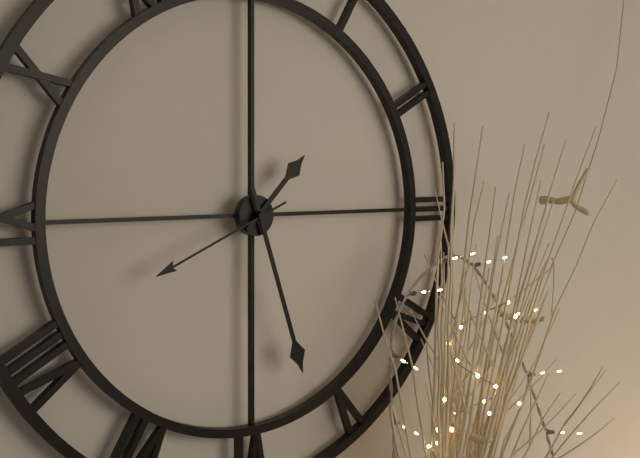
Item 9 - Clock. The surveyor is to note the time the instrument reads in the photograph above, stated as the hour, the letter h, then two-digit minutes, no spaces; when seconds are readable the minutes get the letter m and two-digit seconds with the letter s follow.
1h27m41s
